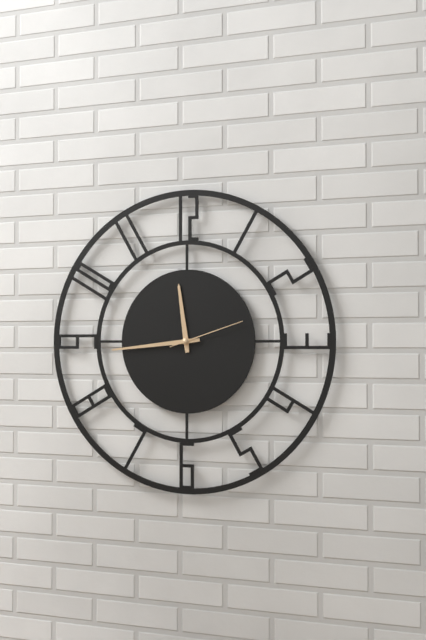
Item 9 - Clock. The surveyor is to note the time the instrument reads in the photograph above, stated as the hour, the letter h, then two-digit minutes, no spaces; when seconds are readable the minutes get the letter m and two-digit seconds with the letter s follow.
11h44m12s
